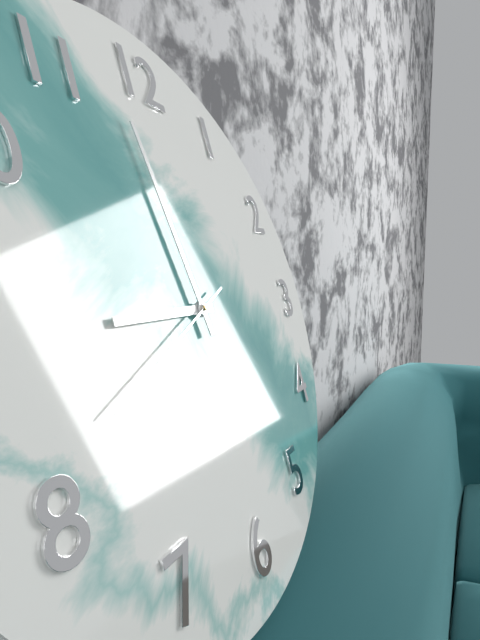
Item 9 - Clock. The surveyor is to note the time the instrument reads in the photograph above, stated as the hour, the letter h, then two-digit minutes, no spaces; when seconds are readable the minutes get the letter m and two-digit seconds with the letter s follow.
8h58m41s
